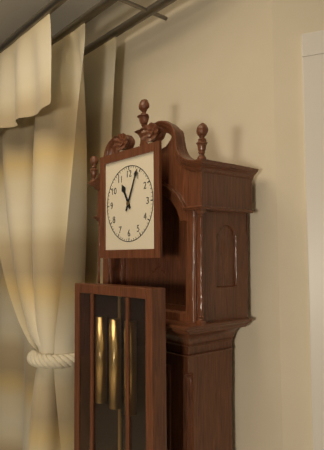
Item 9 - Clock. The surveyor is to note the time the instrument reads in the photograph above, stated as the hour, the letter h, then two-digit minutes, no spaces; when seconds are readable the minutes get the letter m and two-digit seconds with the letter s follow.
11h04
